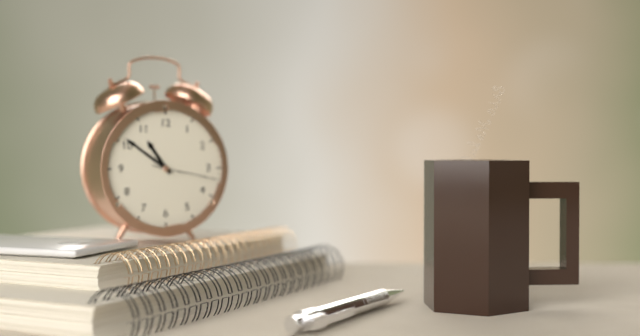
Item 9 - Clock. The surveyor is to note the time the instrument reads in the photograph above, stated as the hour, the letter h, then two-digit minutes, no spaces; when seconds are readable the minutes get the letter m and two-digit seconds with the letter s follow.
10h51m17s
